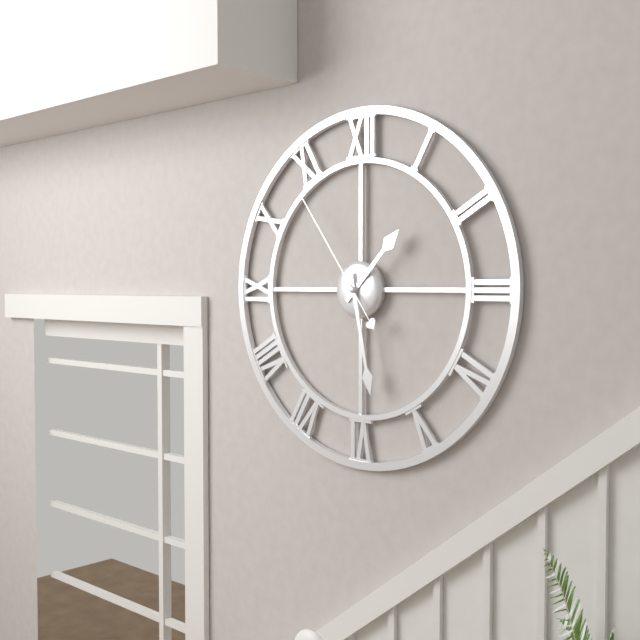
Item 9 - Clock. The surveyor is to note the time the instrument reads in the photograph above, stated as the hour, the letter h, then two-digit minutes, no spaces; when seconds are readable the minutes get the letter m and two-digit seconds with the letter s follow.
1h28m54s
